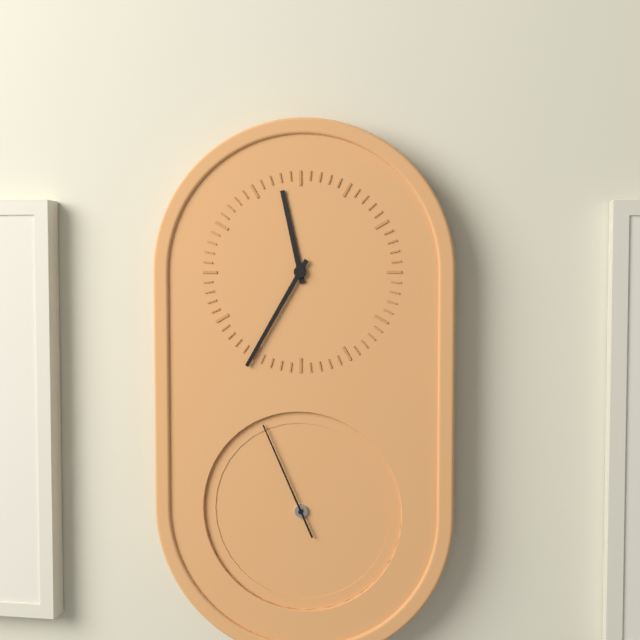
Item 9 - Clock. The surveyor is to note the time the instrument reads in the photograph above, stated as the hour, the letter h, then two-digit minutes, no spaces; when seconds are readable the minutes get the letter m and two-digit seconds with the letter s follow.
11h35m56s
